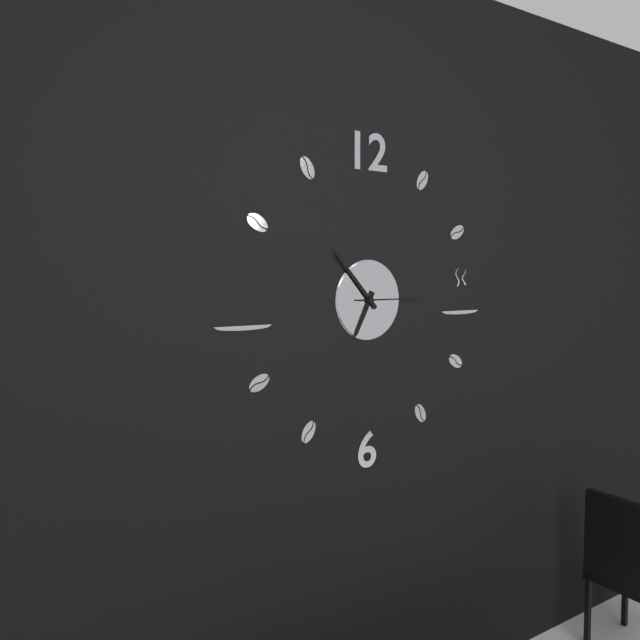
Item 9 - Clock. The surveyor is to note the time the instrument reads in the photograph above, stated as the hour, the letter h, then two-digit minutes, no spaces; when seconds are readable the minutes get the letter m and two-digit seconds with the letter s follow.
6h53m15s
